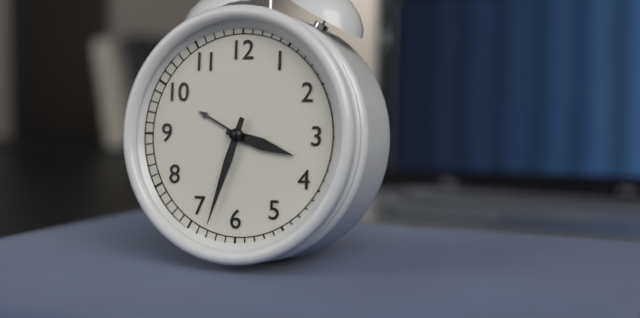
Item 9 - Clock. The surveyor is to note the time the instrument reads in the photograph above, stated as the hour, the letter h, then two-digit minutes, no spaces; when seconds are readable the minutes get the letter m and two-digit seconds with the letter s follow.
3h33
